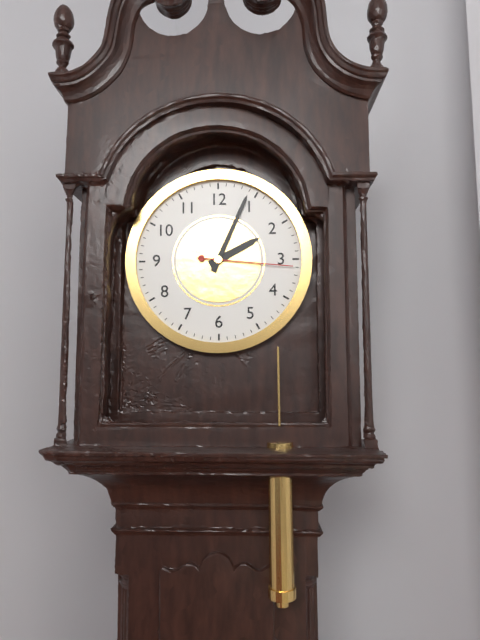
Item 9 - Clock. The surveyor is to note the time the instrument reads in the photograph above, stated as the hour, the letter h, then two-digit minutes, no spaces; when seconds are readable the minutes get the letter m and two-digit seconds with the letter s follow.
2h04m16s
